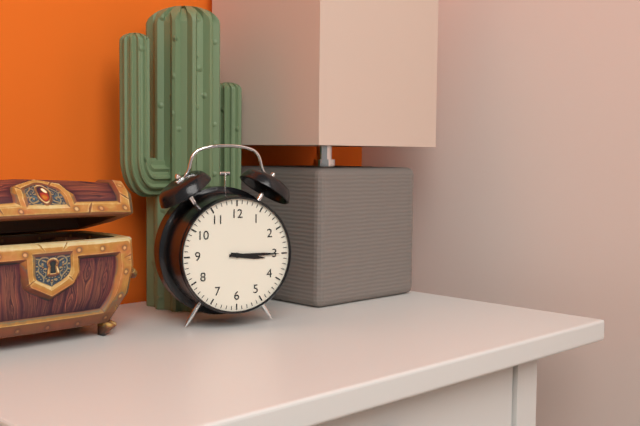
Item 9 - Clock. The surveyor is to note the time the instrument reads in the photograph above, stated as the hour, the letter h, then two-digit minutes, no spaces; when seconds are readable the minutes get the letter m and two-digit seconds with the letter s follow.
3h15
